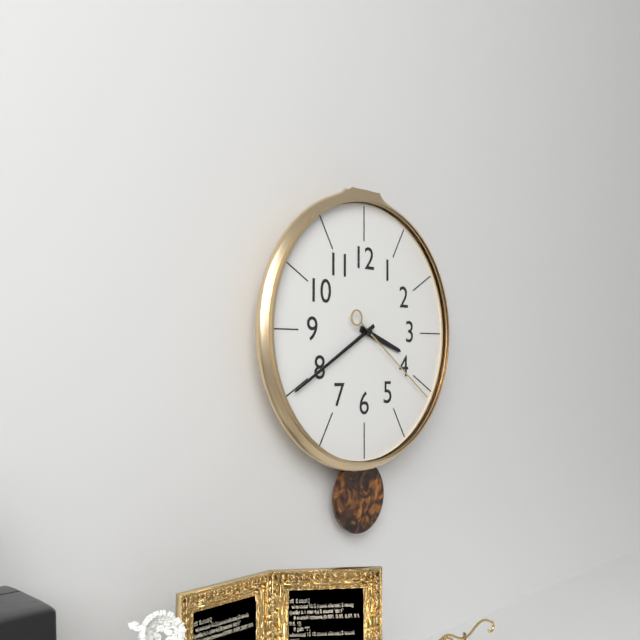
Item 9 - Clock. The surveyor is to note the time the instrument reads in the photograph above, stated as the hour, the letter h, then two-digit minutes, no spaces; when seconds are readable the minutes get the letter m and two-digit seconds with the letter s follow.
3h40m21s
